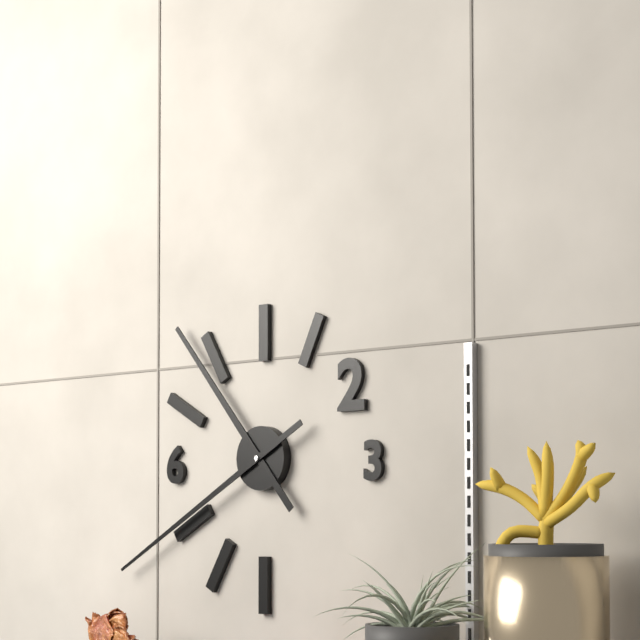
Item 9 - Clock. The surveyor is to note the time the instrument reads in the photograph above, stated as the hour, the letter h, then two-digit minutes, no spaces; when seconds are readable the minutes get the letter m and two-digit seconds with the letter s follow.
10h40
